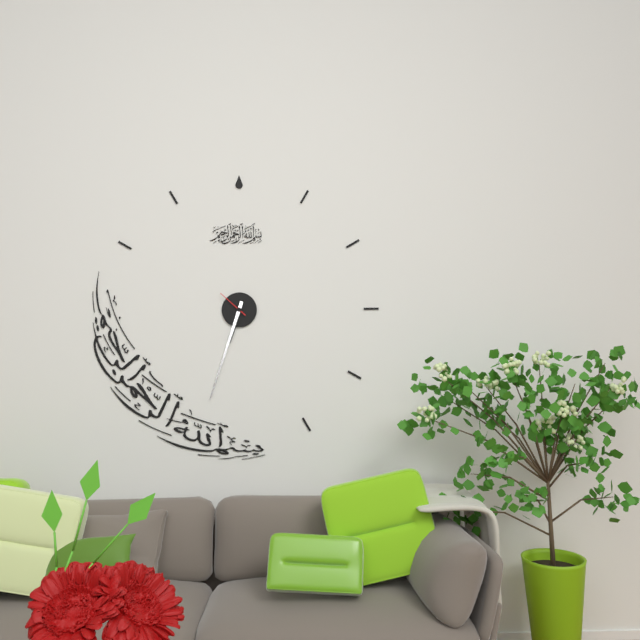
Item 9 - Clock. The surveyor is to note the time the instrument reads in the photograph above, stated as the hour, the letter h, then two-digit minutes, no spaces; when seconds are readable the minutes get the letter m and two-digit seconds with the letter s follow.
6h33
